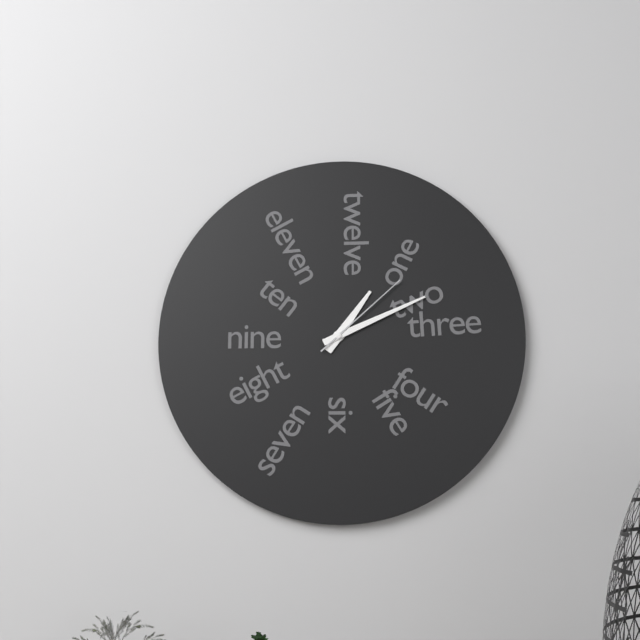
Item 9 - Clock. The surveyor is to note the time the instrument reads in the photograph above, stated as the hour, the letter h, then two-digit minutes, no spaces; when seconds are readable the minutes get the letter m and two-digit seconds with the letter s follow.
1h11m08s
